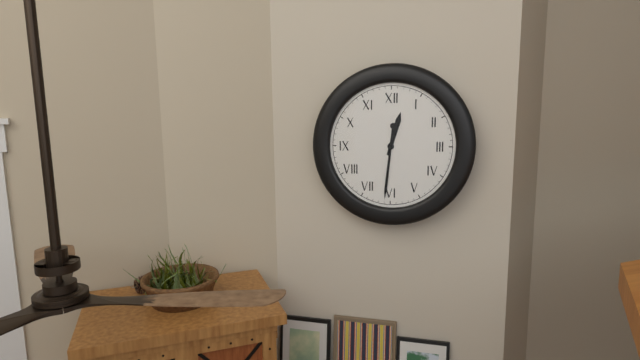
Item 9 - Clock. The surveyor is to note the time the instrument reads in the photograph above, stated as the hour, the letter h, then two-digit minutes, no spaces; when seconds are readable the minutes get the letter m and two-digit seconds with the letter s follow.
12h31
